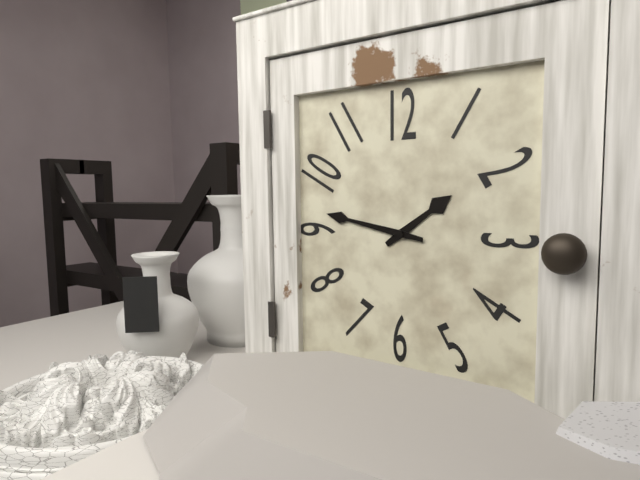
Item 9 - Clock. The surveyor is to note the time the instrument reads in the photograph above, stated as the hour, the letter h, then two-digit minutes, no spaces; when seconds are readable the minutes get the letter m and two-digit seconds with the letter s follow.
1h47
